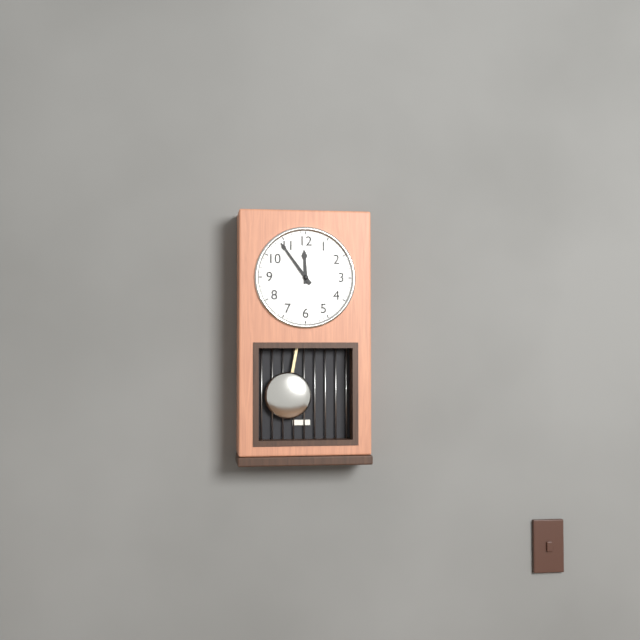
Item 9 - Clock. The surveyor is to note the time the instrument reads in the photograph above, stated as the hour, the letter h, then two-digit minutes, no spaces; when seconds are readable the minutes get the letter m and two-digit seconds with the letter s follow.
11h54
